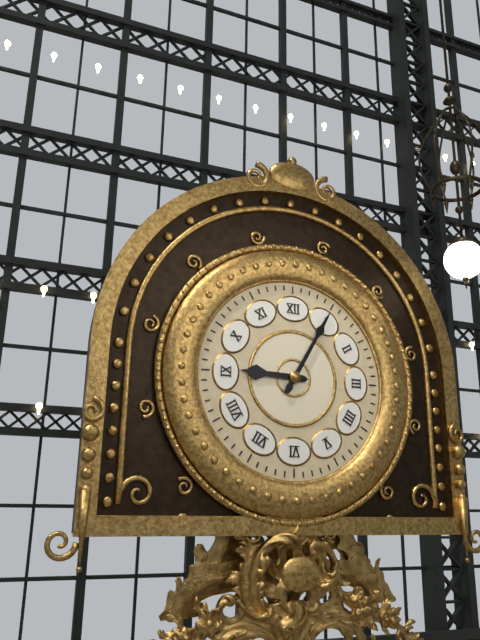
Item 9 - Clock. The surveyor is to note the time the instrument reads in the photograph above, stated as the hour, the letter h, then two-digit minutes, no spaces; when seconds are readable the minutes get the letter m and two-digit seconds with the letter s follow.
9h05
